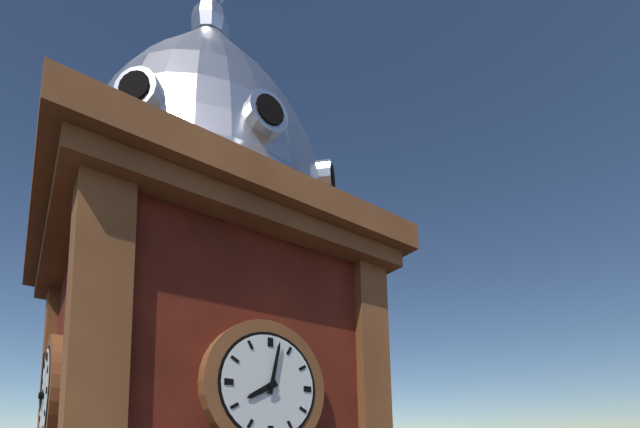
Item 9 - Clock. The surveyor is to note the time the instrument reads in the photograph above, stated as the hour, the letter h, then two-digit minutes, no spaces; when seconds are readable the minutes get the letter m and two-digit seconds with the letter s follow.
8h02
